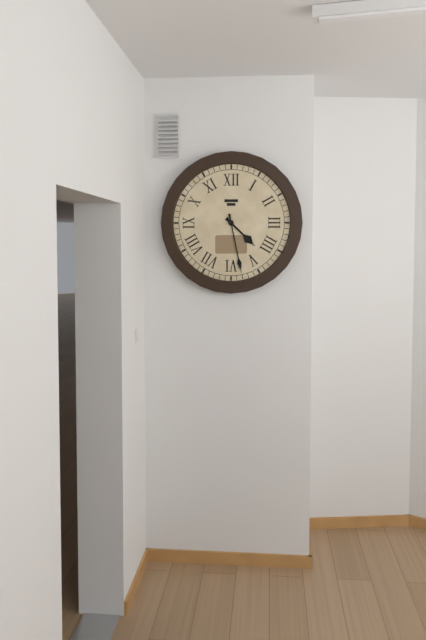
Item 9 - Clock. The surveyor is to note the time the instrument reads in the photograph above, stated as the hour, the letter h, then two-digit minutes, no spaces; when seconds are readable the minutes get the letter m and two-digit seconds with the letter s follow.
4h28
